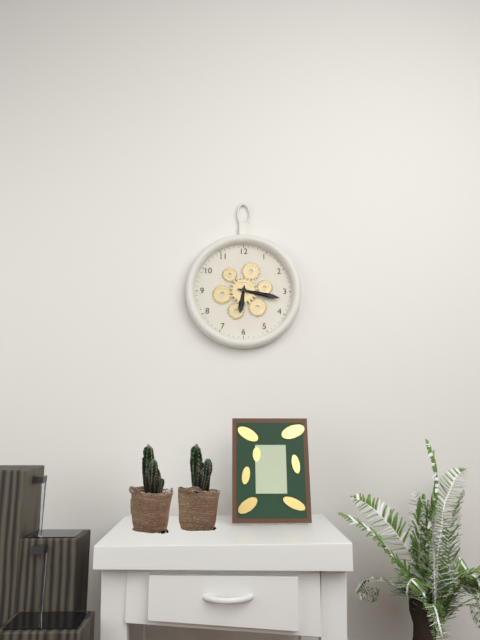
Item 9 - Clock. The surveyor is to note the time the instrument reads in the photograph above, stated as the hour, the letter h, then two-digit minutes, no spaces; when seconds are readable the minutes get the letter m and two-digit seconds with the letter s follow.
6h17
